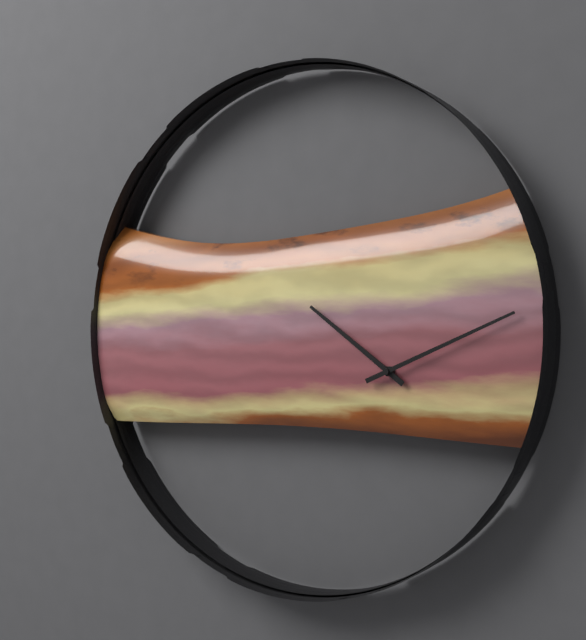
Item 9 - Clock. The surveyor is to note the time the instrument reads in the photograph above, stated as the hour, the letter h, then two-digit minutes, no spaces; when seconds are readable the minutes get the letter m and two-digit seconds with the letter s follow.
10h11
